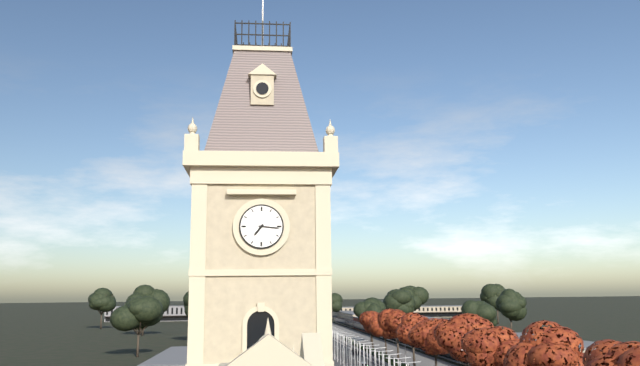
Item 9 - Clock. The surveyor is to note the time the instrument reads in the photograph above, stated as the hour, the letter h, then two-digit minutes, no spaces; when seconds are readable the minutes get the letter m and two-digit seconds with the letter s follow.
7h16
